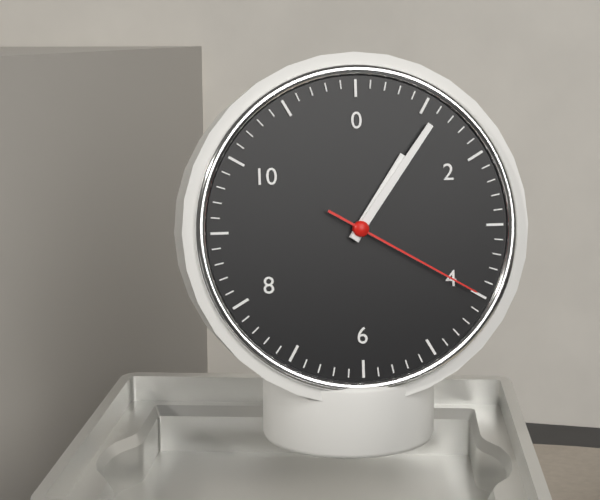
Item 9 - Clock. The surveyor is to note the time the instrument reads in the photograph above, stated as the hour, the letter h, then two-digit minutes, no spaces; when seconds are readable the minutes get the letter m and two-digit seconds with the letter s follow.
1h06m20s
